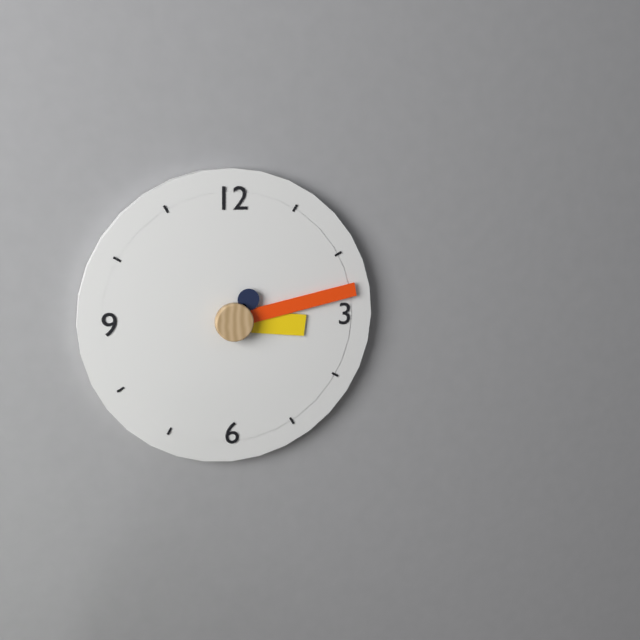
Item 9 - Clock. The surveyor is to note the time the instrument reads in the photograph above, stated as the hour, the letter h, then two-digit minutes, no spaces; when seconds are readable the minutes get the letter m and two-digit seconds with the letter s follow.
3h13
